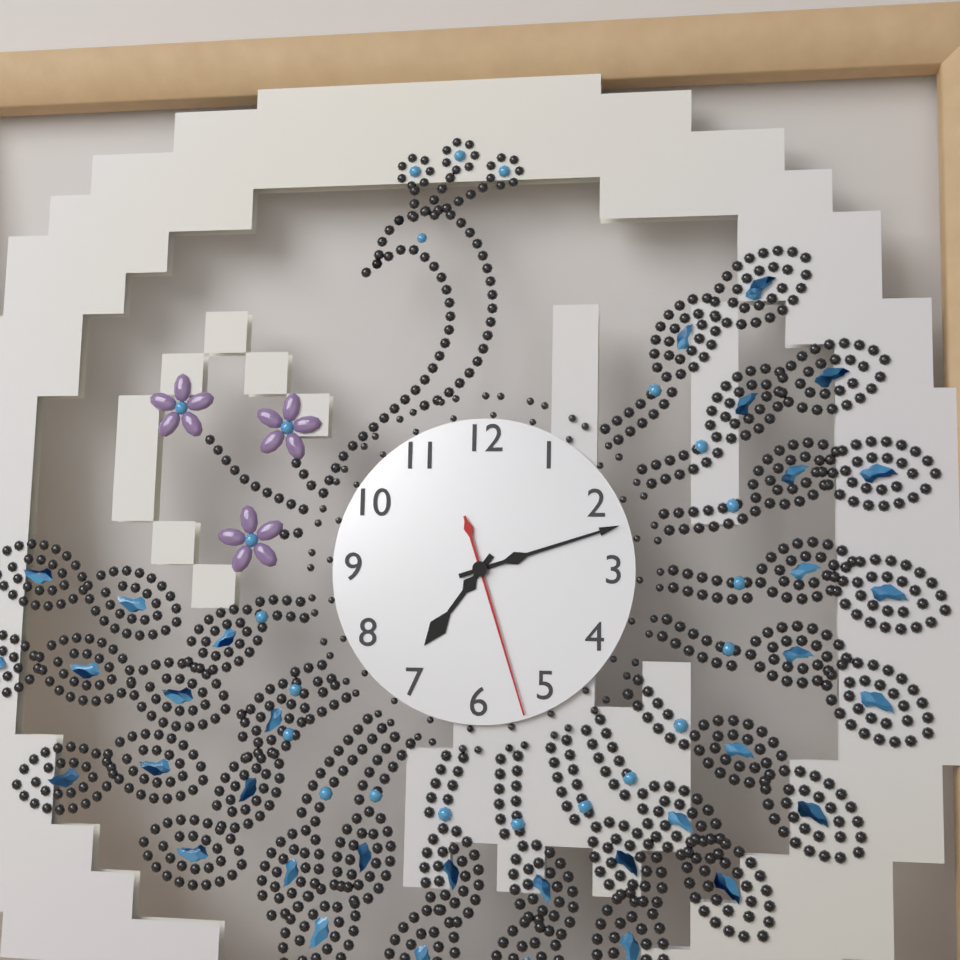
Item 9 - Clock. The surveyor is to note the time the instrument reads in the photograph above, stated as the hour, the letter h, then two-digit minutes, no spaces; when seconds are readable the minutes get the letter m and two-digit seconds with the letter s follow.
7h12m27s
